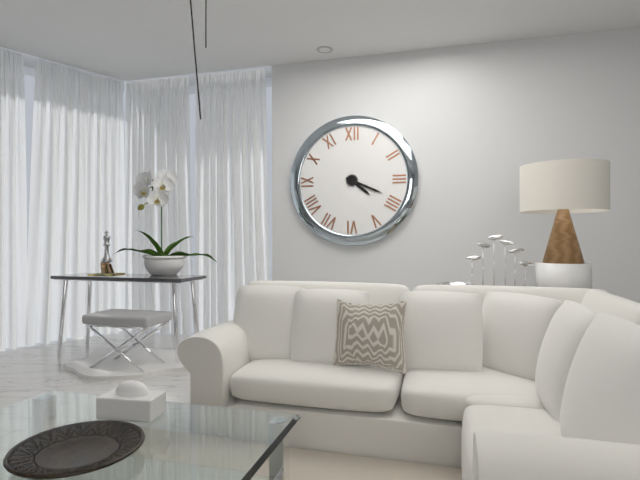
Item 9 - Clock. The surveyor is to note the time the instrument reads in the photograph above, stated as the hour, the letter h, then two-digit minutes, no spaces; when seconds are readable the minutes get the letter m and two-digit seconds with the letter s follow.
4h19
